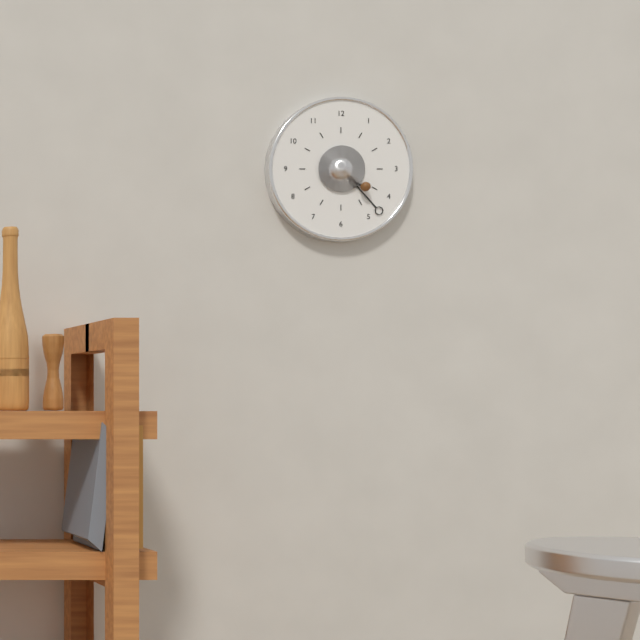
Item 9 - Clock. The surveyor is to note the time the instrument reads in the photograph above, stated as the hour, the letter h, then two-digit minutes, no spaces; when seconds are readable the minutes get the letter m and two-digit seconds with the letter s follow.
4h23
